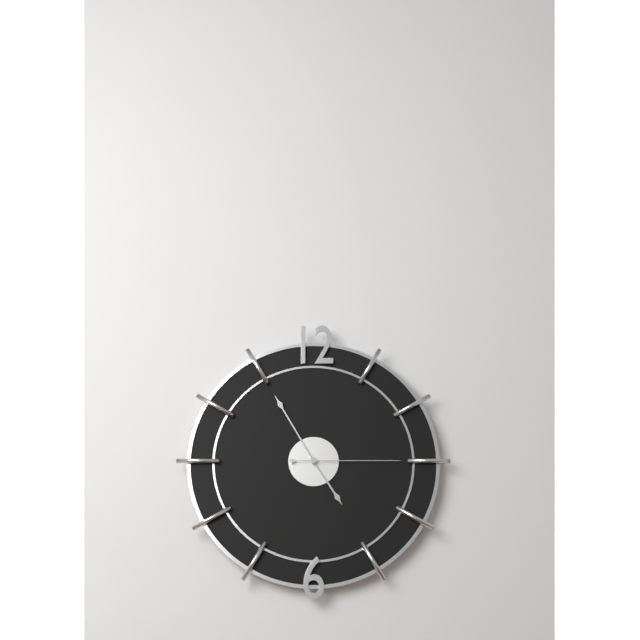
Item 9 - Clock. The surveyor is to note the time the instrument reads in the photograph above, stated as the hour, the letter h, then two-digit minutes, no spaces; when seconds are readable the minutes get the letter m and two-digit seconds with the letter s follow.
4h55m15s
